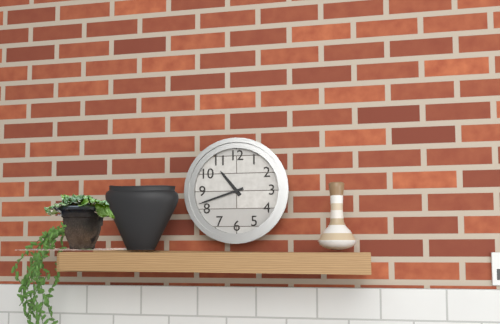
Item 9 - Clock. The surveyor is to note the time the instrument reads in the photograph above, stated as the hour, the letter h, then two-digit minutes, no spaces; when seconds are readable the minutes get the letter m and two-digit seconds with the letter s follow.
10h42
